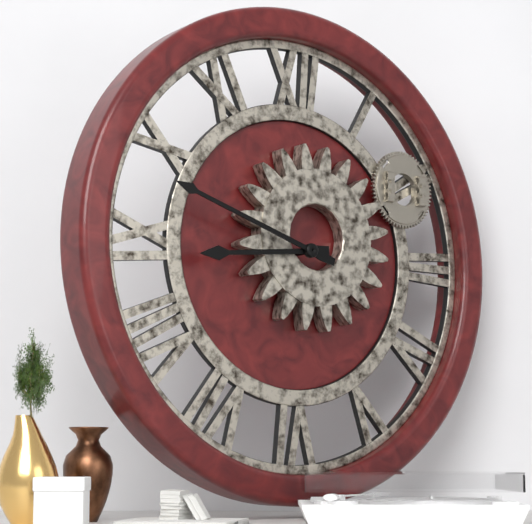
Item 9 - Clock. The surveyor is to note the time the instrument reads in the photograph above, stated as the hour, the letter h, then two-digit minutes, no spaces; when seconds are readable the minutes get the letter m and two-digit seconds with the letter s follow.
8h48
